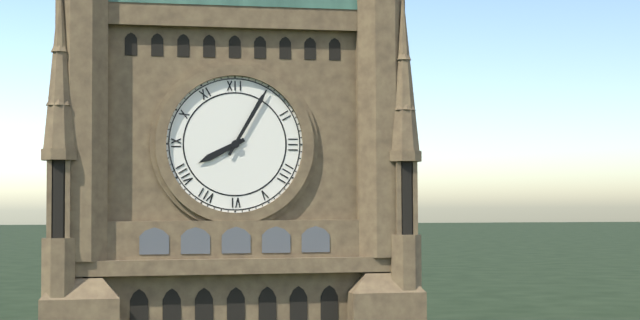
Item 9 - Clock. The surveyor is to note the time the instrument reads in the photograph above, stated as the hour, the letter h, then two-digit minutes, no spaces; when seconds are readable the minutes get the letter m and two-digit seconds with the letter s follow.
8h05
